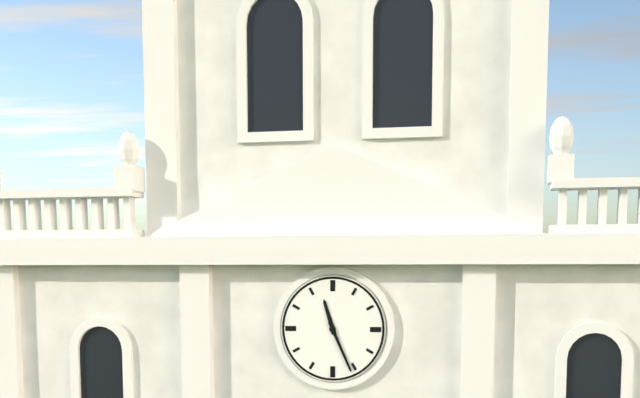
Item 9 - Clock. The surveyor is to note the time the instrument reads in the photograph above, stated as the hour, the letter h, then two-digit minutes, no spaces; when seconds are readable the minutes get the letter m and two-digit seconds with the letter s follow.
11h26
